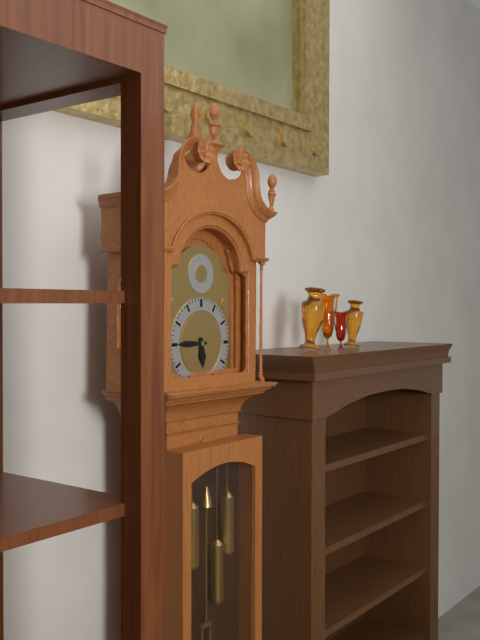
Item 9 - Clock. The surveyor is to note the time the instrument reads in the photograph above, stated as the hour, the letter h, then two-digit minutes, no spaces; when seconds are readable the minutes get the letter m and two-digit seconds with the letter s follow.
5h45
